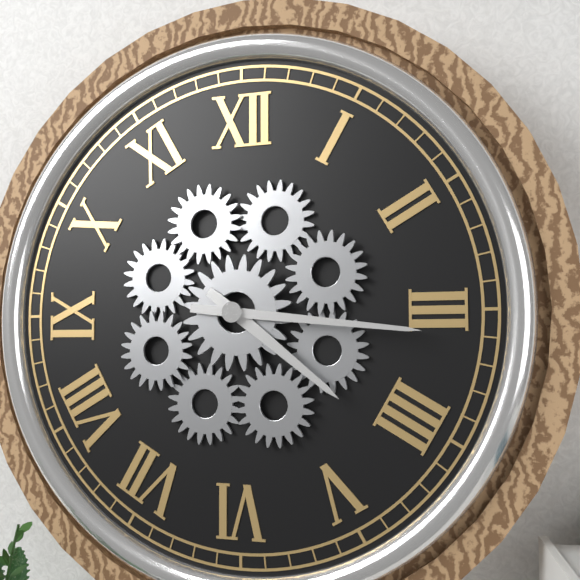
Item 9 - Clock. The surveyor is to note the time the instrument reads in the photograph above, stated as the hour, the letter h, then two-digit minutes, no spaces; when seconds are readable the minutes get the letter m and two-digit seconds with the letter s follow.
4h16
